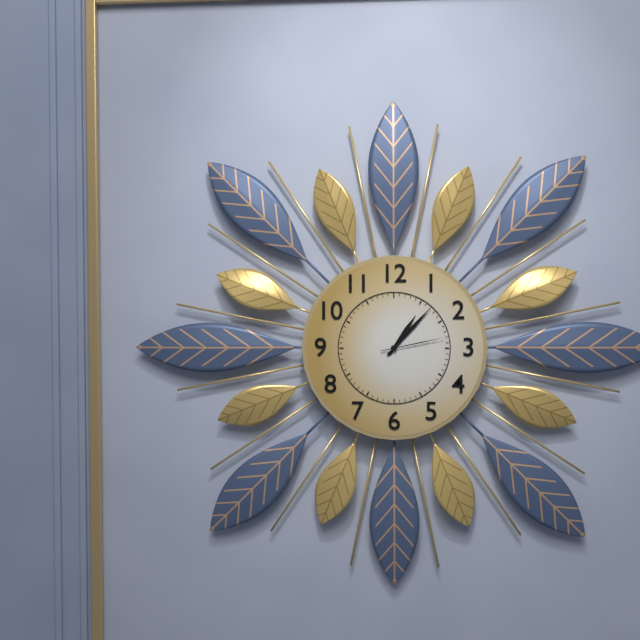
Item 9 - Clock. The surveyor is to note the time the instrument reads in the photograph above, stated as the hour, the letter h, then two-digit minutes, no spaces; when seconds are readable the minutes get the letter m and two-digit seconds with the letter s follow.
1h07m13s
